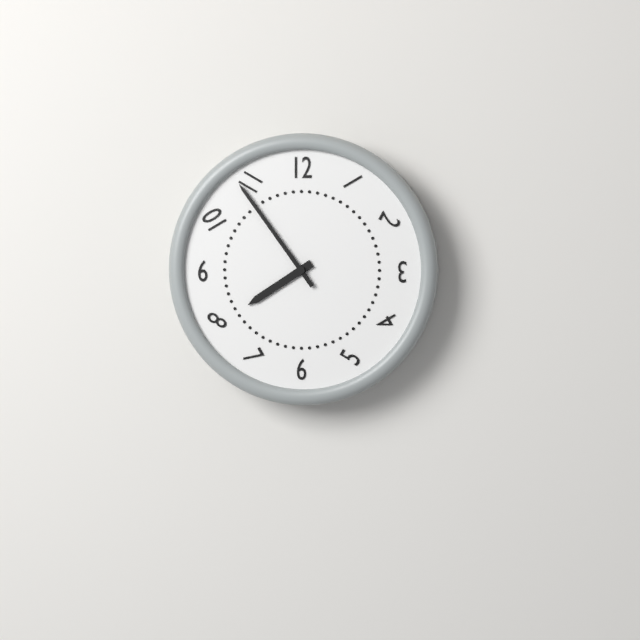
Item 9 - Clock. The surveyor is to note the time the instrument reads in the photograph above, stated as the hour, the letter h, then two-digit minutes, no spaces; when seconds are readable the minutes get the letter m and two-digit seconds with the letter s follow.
7h54
